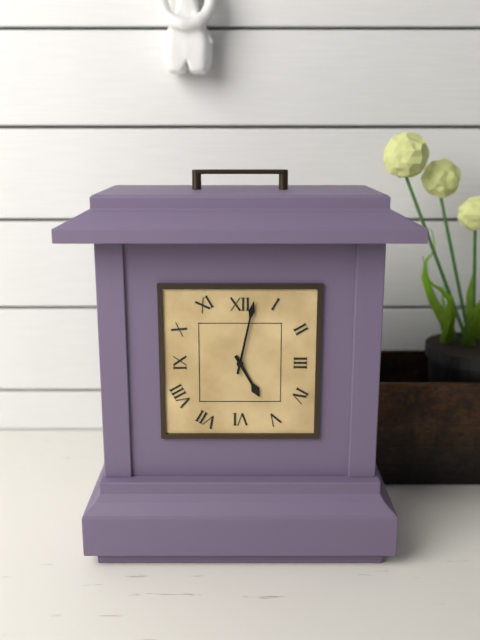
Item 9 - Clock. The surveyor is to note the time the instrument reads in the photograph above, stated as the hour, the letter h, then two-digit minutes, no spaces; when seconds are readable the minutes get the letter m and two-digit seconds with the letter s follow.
5h02
